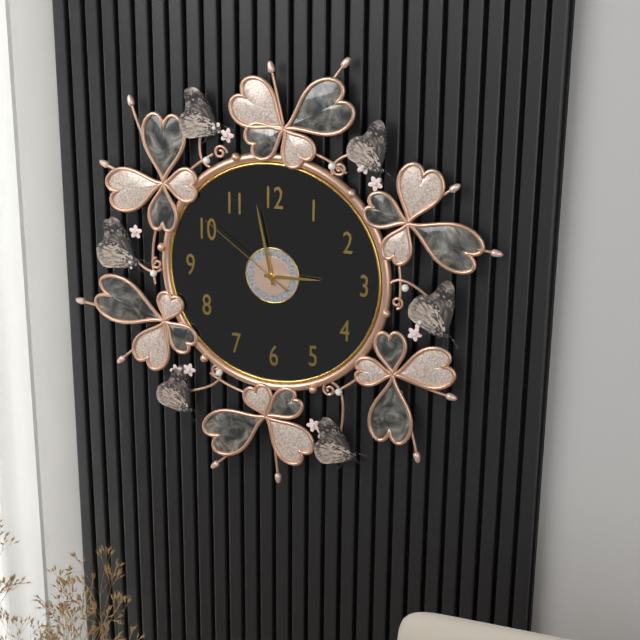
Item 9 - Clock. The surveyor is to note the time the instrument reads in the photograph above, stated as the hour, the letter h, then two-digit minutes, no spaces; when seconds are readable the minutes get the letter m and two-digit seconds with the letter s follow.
2h58m51s
